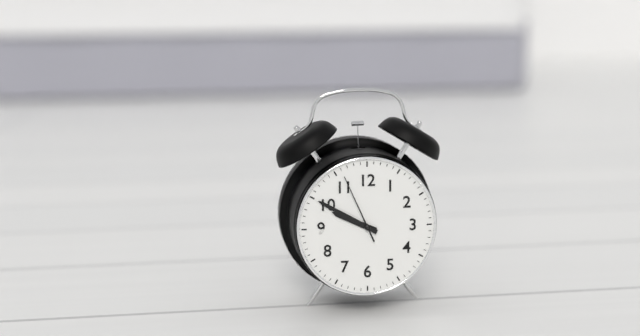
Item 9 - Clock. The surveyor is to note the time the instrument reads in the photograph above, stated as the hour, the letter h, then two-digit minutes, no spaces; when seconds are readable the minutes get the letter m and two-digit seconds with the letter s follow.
9h50m56s
